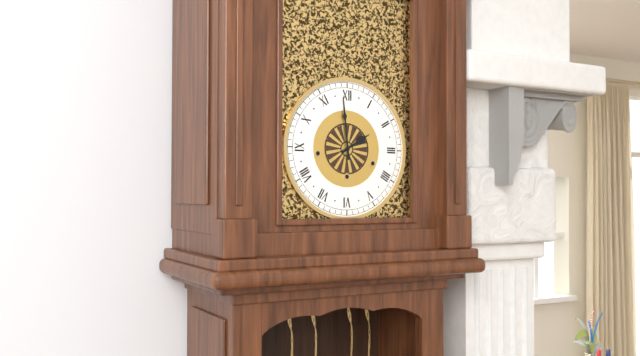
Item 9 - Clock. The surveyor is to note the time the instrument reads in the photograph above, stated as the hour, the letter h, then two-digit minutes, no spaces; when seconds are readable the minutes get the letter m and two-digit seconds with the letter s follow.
1h59
